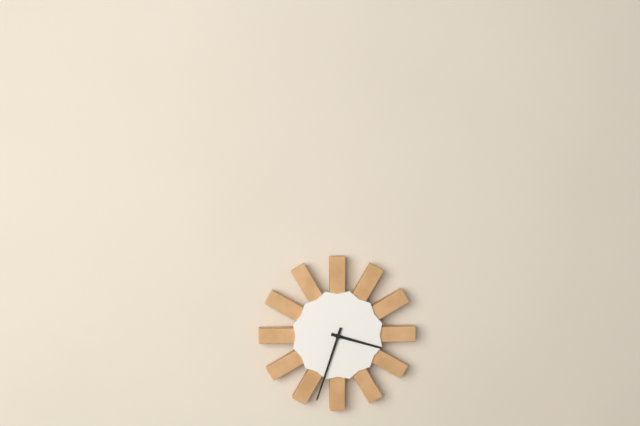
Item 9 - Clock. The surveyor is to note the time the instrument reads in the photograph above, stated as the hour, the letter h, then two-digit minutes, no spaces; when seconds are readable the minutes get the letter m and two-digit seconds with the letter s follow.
3h33
